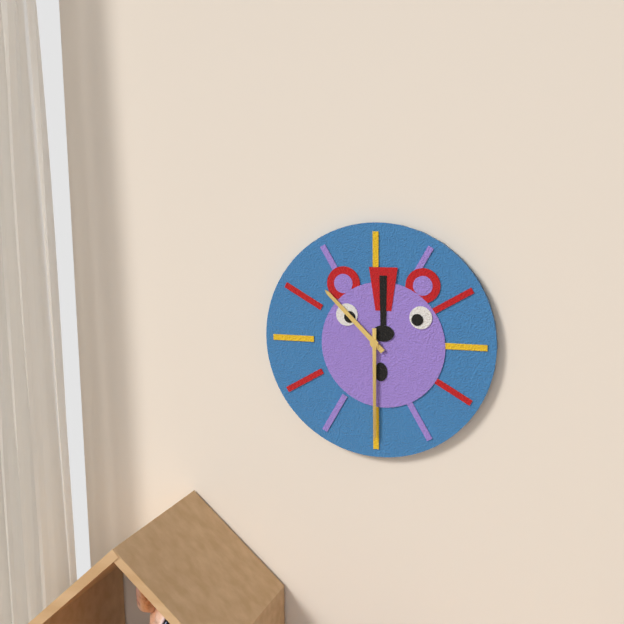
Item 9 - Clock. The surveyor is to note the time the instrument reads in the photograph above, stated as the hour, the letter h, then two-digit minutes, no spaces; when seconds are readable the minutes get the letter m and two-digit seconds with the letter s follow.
10h30
